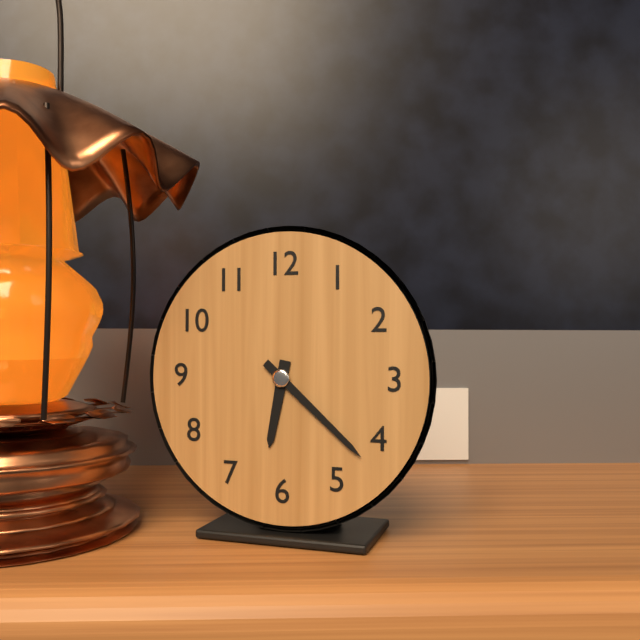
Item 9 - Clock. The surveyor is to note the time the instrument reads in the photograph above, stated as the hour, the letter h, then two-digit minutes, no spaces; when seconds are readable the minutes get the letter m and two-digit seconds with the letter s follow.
6h22
